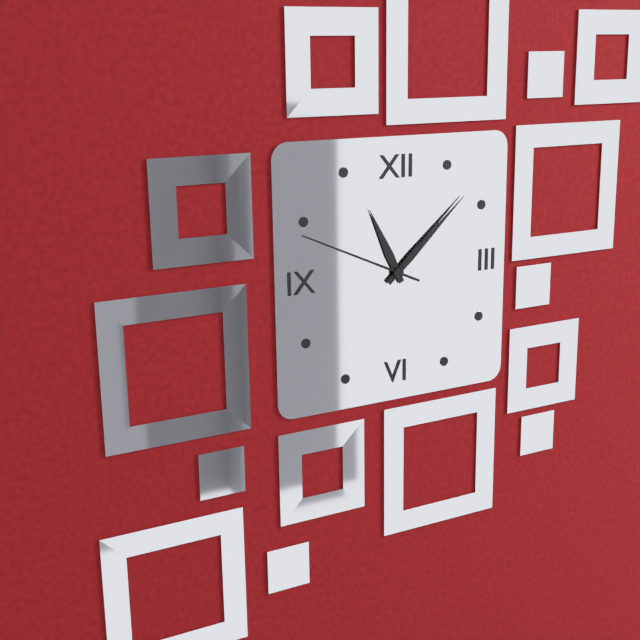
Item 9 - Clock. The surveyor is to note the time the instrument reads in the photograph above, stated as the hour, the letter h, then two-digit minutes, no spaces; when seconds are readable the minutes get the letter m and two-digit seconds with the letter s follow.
11h08m49s
